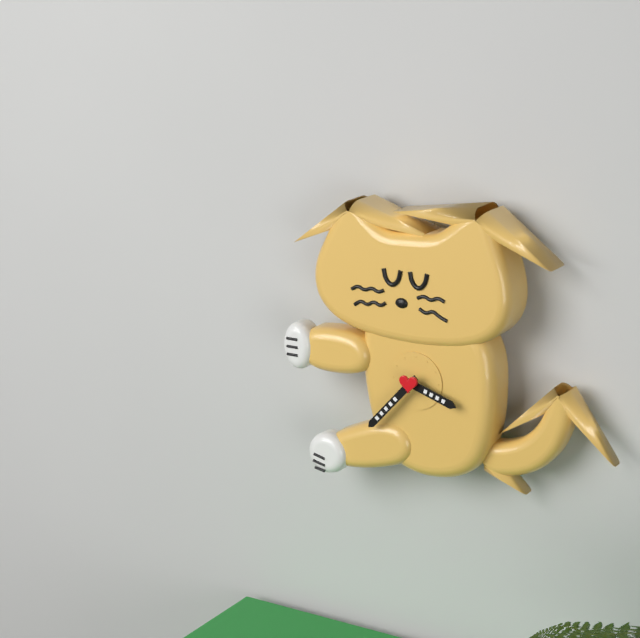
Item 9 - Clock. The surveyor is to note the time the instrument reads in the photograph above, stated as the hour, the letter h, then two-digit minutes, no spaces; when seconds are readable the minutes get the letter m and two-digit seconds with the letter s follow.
3h37
